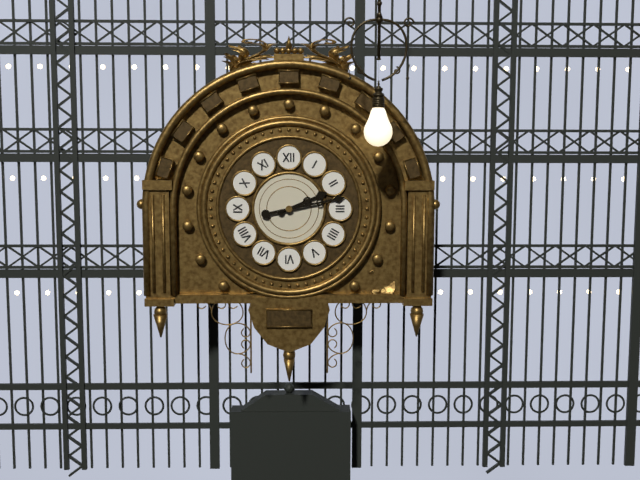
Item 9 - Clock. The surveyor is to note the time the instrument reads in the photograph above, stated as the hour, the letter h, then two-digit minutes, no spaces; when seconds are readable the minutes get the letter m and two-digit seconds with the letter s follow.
2h13
